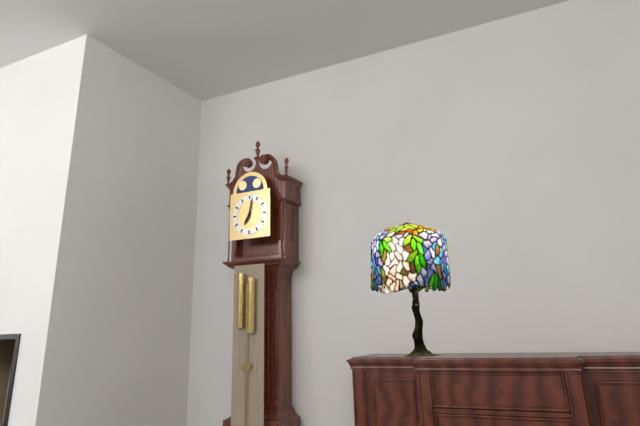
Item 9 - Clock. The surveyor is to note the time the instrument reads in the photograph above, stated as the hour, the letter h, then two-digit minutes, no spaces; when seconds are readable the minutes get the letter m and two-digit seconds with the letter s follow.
7h02
